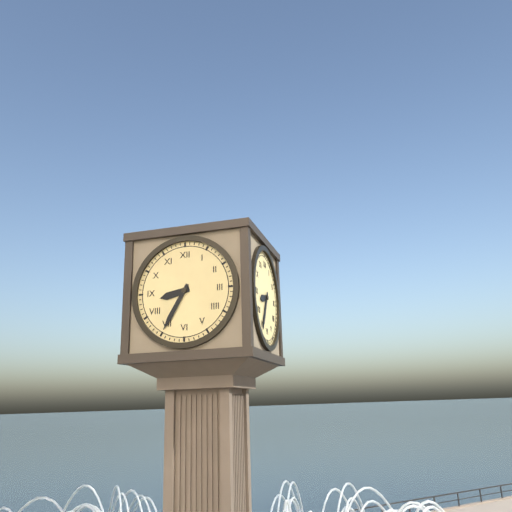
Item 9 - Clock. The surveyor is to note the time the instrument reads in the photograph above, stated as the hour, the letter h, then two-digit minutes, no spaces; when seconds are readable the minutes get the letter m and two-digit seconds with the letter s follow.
8h35
